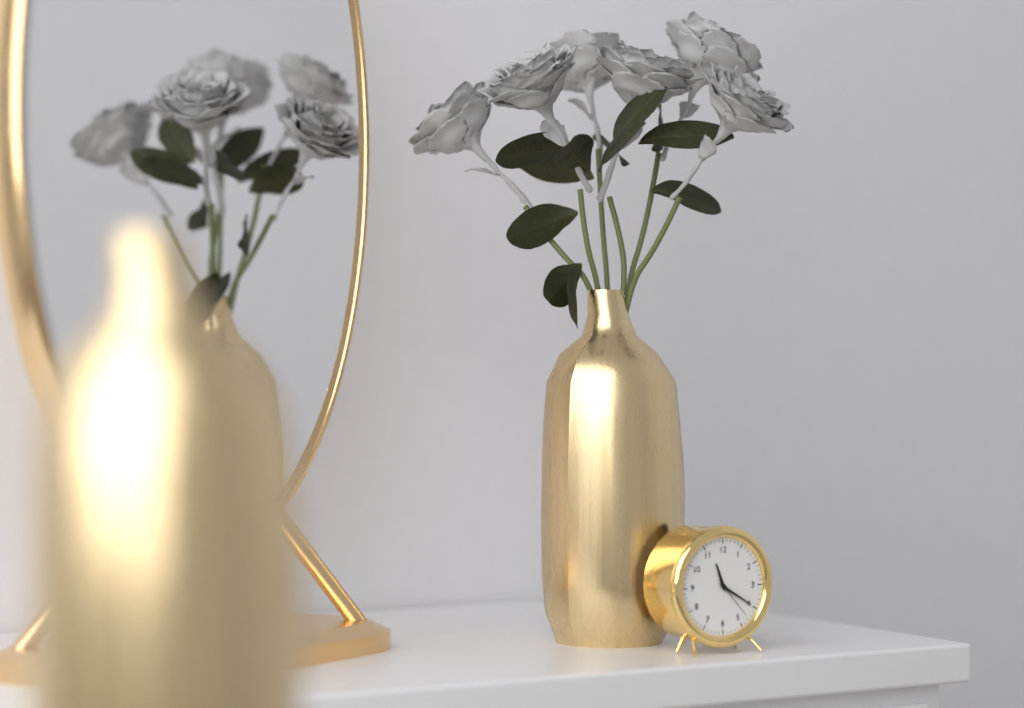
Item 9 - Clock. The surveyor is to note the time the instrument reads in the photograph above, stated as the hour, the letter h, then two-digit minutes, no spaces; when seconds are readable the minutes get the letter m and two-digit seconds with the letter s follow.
11h20
